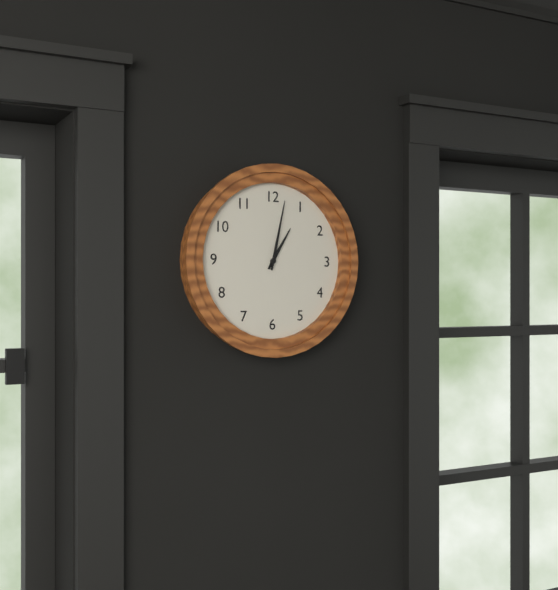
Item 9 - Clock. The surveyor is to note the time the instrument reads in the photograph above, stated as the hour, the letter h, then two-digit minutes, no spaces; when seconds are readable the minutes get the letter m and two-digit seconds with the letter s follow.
1h02
